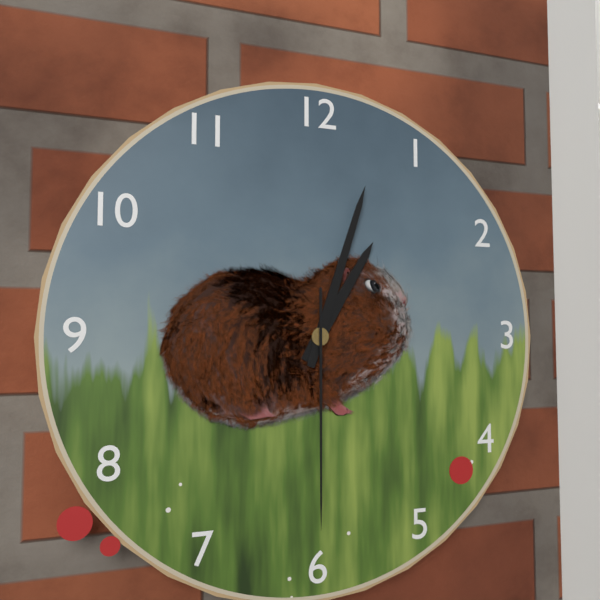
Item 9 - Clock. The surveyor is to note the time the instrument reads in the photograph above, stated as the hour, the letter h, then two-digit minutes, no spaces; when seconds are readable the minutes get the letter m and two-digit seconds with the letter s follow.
1h03m30s
